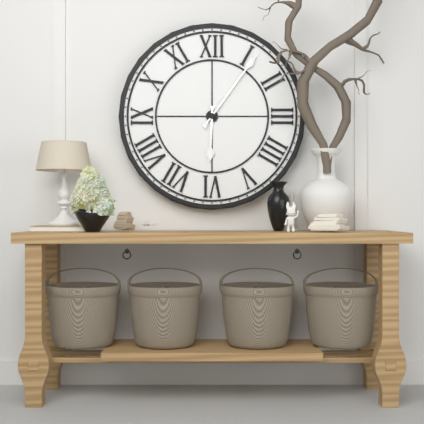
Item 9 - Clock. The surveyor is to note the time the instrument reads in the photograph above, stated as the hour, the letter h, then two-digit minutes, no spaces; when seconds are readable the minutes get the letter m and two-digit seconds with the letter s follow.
6h06
